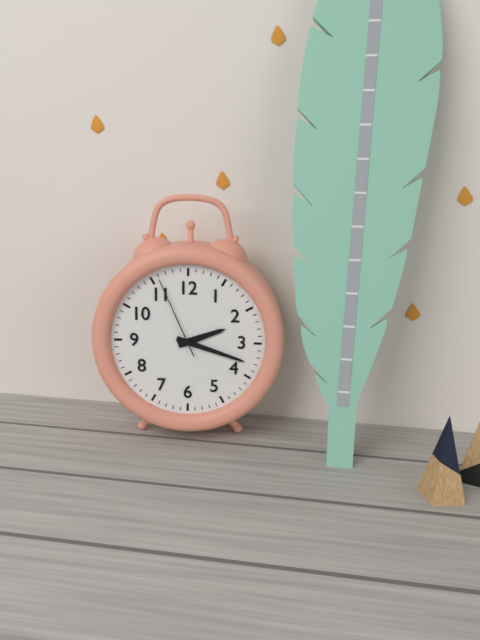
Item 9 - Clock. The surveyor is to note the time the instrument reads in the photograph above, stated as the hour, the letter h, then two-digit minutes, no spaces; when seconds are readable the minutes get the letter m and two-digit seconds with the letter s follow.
2h18m56s
